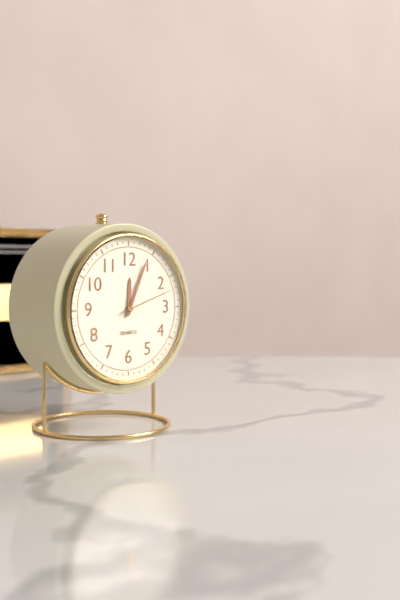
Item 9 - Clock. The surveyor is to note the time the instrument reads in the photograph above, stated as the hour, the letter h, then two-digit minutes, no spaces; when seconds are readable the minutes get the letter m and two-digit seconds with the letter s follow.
12h04m12s
